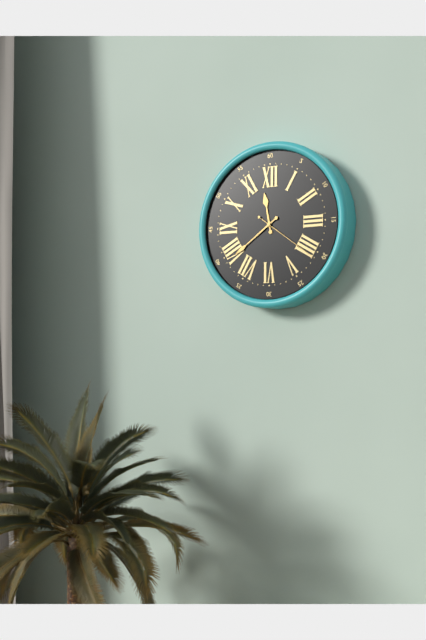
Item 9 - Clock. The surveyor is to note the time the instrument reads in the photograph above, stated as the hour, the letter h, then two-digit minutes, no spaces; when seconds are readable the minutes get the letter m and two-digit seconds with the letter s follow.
11h39
